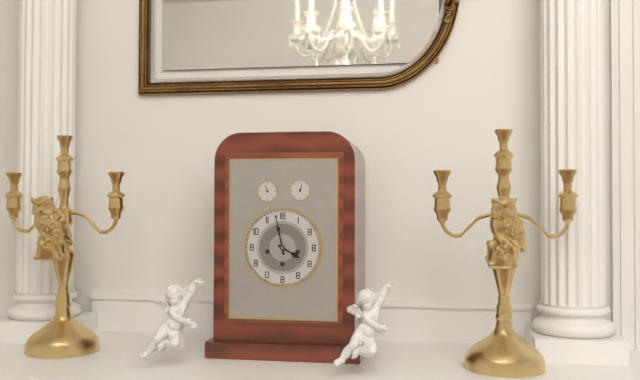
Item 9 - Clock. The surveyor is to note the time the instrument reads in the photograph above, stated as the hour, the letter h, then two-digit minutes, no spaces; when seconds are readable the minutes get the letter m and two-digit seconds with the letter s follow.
3h58
